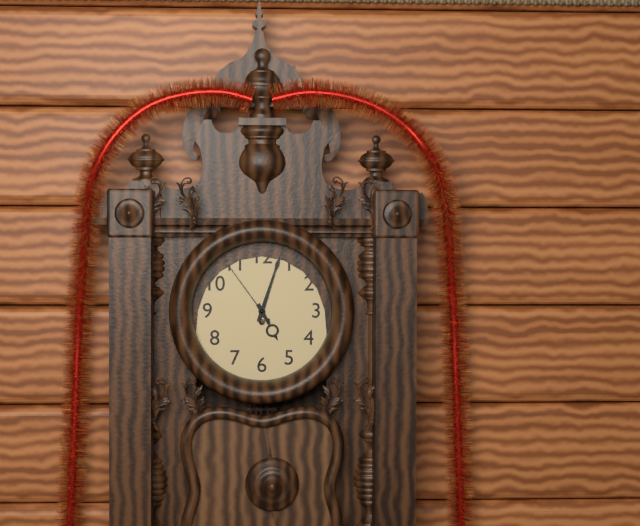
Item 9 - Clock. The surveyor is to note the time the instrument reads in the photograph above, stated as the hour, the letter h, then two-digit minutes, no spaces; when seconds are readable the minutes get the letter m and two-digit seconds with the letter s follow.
5h03m54s
